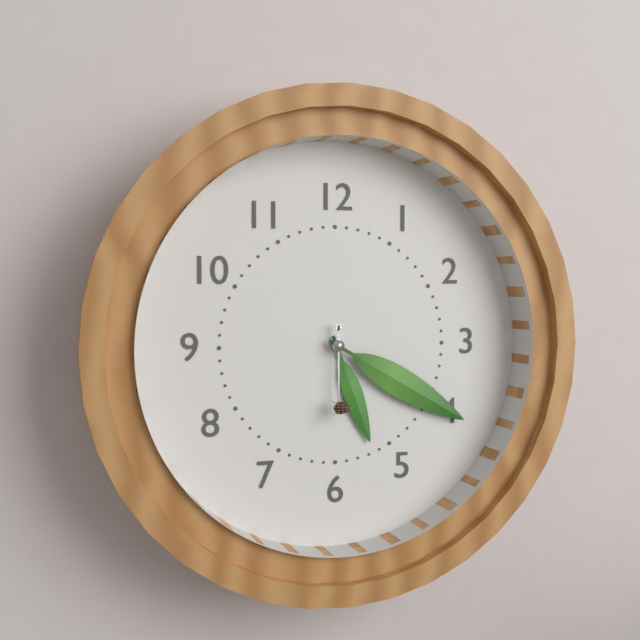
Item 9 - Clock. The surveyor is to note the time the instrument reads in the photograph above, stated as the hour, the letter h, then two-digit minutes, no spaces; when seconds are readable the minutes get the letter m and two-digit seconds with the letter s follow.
5h20m30s
